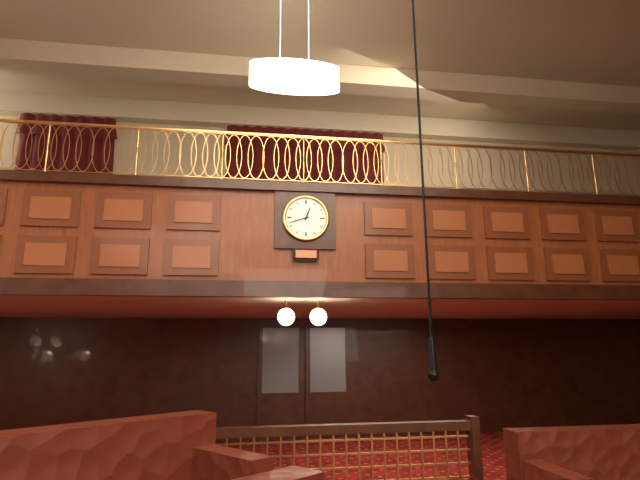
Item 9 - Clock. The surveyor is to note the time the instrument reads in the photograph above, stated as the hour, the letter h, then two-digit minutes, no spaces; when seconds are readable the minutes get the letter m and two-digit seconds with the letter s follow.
12h42
